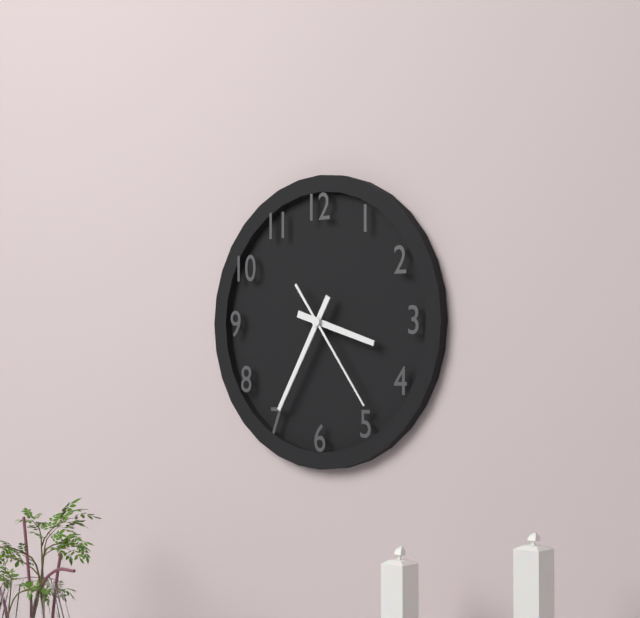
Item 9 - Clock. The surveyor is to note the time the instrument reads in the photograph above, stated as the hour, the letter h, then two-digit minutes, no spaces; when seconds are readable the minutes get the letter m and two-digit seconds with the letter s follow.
3h35m24s
